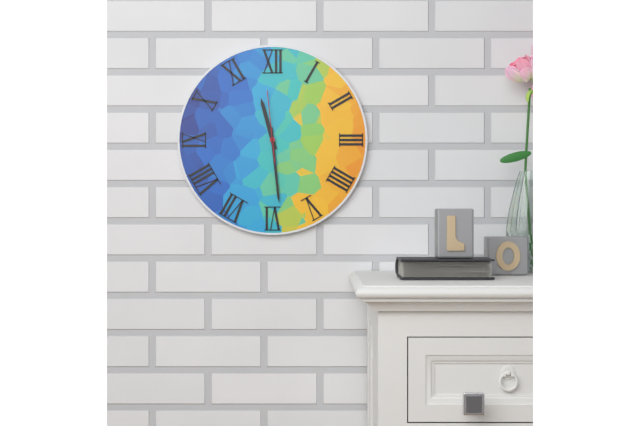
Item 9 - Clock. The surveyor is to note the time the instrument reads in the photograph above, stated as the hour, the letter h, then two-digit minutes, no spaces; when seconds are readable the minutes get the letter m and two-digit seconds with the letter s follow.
11h29m59s
